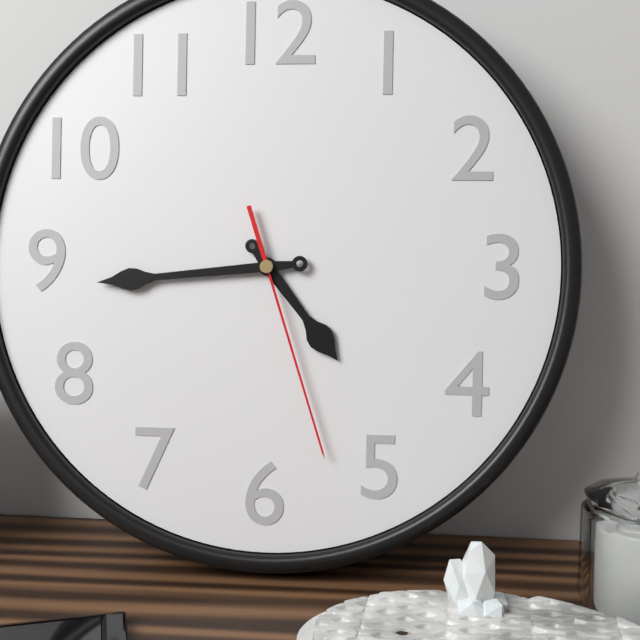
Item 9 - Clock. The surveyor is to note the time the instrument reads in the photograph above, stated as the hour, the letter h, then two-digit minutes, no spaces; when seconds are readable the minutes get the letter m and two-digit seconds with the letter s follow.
4h44m27s
